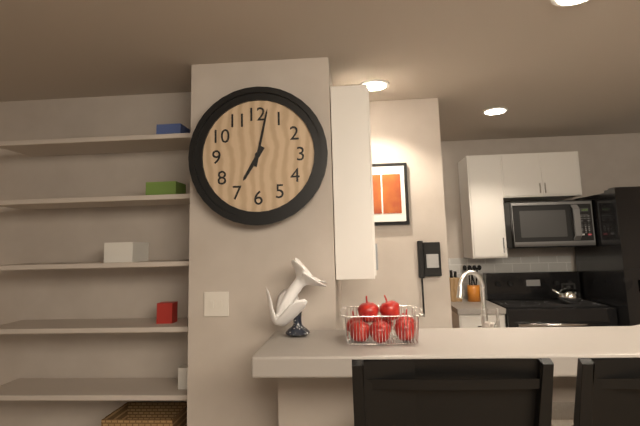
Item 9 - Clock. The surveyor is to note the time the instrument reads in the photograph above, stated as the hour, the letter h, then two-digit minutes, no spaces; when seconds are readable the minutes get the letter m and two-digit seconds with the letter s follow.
7h02
